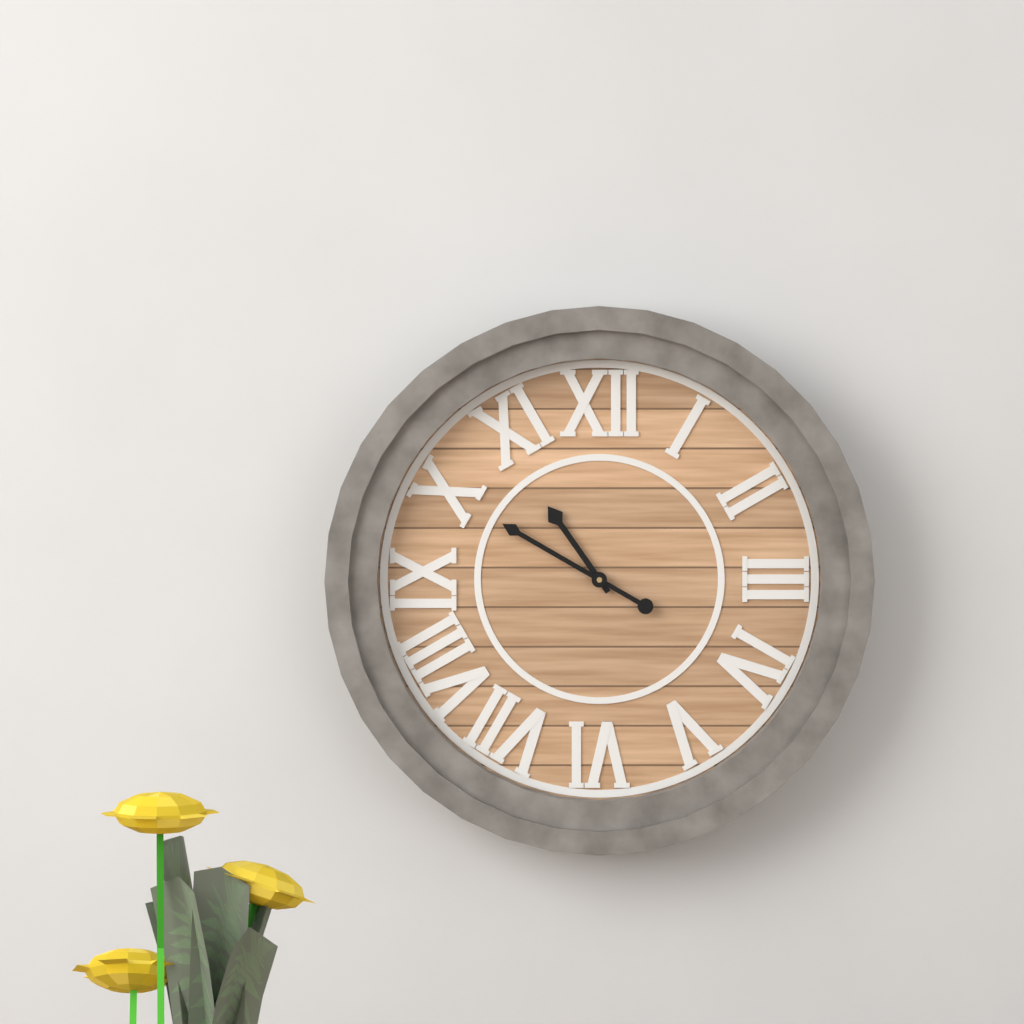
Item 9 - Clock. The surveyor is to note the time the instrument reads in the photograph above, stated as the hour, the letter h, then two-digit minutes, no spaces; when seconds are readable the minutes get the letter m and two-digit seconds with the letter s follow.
10h50
